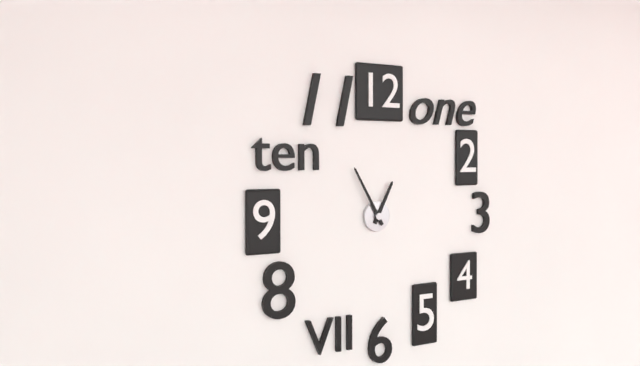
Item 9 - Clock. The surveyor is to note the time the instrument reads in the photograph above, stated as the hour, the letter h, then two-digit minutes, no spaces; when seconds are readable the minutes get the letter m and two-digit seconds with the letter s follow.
12h55
